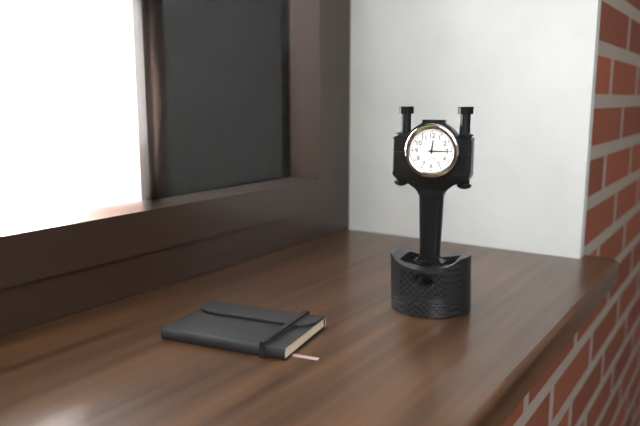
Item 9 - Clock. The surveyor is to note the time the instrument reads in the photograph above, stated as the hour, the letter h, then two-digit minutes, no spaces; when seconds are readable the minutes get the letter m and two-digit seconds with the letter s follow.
12h15
